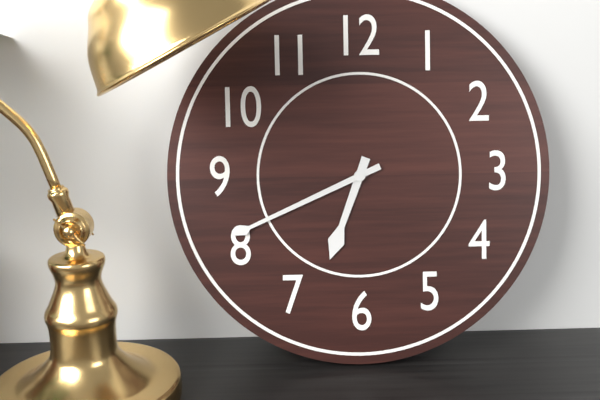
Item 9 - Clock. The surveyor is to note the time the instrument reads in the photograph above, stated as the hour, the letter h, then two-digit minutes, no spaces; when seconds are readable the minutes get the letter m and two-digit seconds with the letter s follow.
6h41
